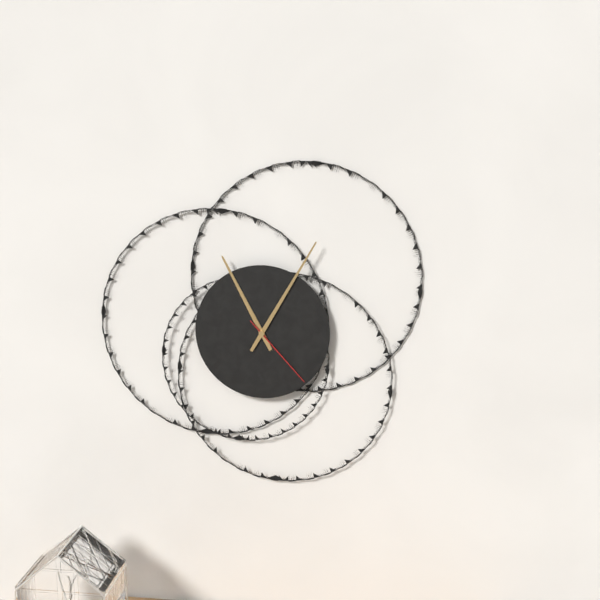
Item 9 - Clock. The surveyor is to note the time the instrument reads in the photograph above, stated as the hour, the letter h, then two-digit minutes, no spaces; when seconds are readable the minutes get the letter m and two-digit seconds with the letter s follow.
11h05m23s
